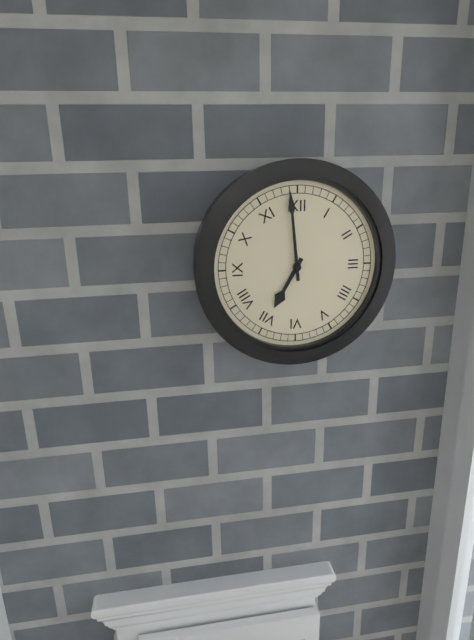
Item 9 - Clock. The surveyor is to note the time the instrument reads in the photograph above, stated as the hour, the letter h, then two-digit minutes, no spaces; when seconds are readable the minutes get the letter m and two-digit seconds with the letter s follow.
6h59
